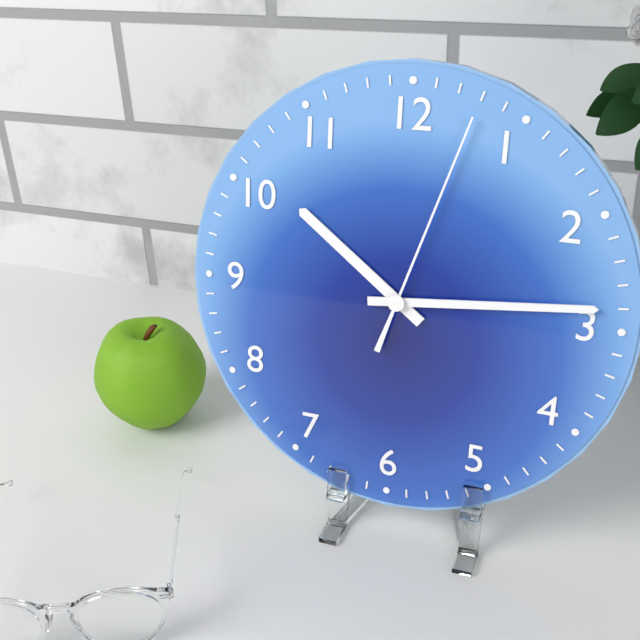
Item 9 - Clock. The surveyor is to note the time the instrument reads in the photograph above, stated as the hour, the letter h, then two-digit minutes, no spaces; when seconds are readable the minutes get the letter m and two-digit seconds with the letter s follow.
10h14m03s
